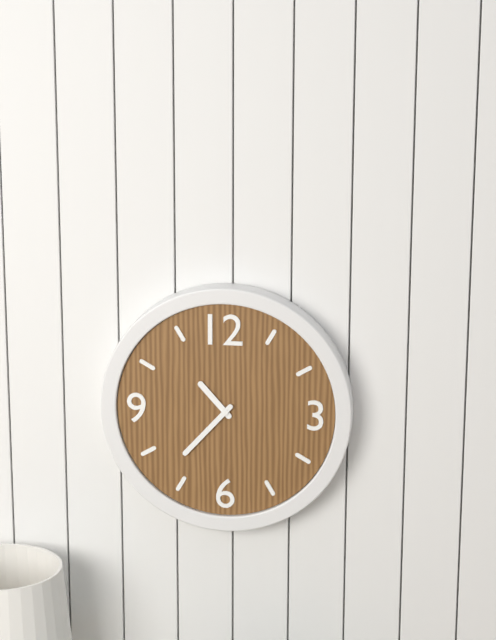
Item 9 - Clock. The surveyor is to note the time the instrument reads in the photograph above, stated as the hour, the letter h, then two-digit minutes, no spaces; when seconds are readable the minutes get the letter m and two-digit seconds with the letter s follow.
10h37
